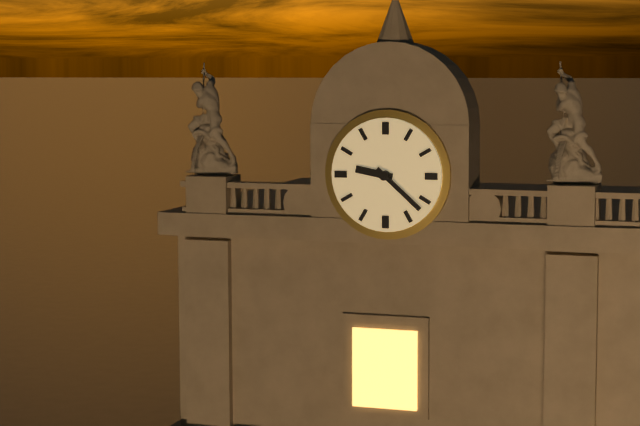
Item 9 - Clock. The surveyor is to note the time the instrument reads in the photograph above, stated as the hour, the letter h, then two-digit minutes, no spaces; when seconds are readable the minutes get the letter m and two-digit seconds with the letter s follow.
9h22
